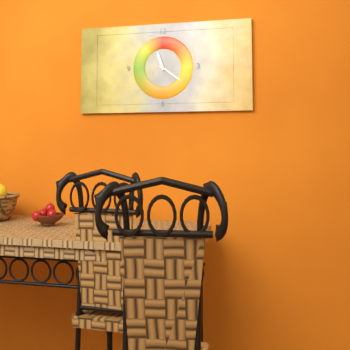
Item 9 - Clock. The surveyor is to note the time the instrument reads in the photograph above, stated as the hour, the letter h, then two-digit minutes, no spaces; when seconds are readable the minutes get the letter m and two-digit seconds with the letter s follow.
11h21
